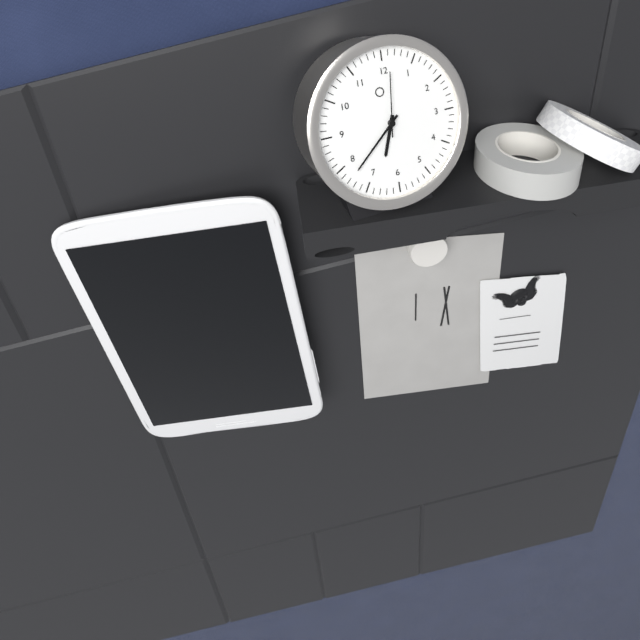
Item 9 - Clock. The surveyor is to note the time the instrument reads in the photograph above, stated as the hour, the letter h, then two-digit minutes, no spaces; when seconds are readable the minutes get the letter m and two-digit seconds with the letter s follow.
6h38m01s
